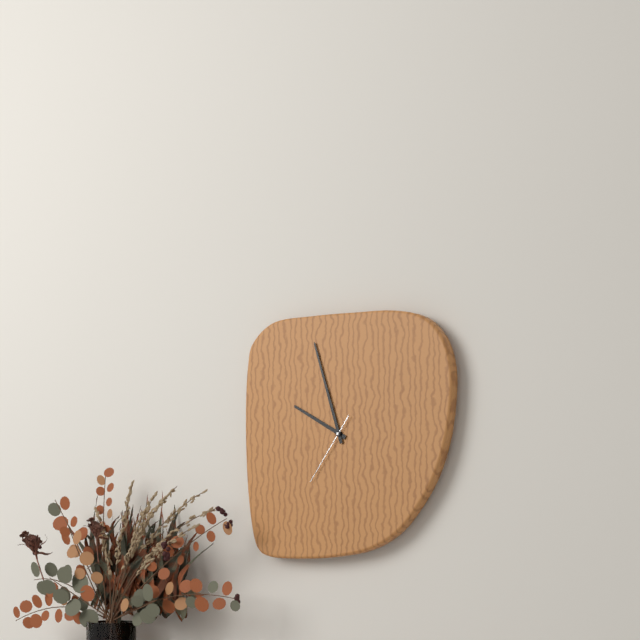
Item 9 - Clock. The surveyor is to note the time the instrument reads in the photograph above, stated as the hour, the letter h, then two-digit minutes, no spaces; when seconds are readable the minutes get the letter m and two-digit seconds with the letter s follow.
9h57m36s
